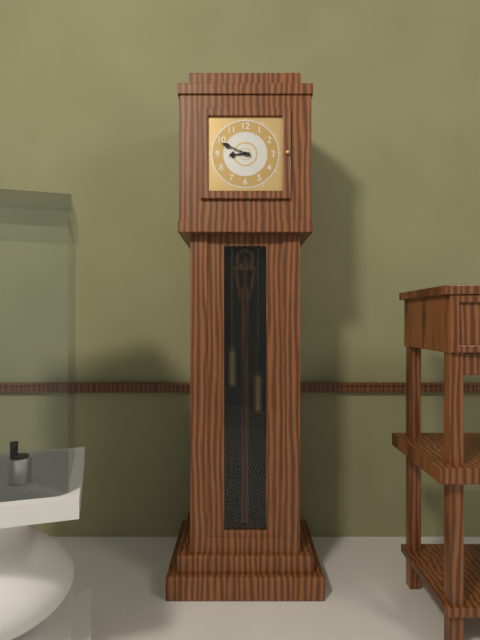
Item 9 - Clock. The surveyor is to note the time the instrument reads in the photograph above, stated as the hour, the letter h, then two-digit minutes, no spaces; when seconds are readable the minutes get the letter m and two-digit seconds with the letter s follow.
8h49
